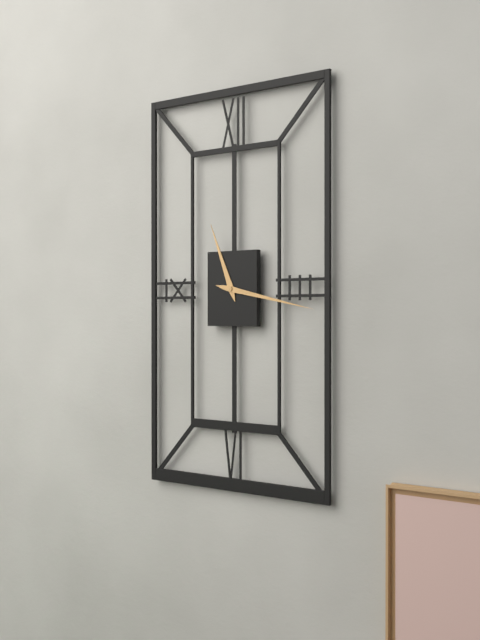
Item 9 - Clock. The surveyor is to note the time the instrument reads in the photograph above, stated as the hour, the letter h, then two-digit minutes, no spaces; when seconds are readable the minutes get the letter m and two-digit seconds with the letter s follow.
11h17
